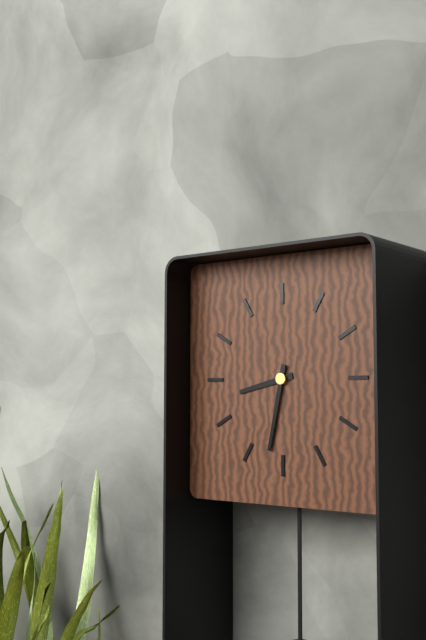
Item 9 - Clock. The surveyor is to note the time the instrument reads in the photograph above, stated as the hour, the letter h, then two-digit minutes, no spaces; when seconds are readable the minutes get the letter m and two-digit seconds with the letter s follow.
8h32
